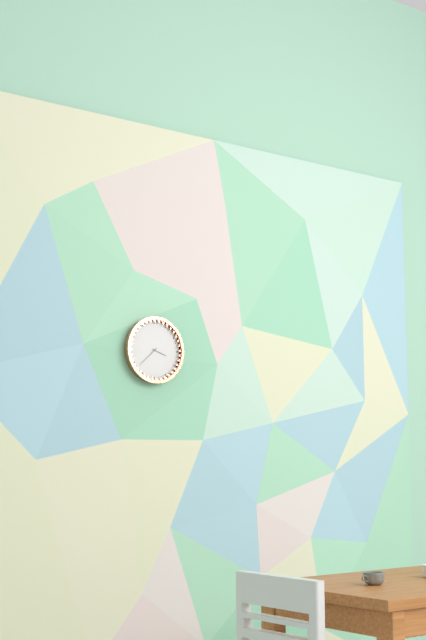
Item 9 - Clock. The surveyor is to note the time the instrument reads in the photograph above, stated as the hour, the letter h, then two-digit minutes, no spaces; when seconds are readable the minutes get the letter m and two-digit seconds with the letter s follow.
3h38
